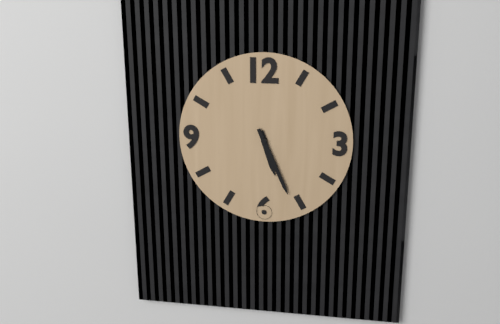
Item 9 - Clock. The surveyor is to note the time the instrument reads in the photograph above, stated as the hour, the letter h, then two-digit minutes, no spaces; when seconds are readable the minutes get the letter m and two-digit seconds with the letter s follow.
5h26
